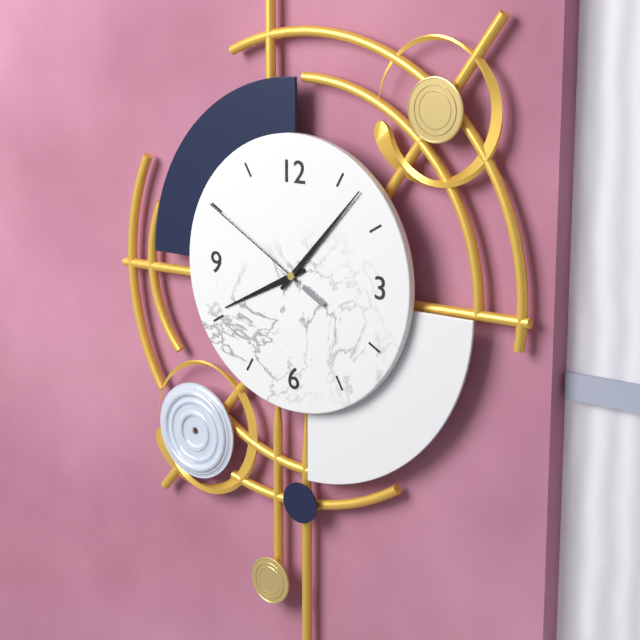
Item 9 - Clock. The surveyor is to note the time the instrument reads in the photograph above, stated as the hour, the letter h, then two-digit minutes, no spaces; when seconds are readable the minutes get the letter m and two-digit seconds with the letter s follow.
8h07m50s
